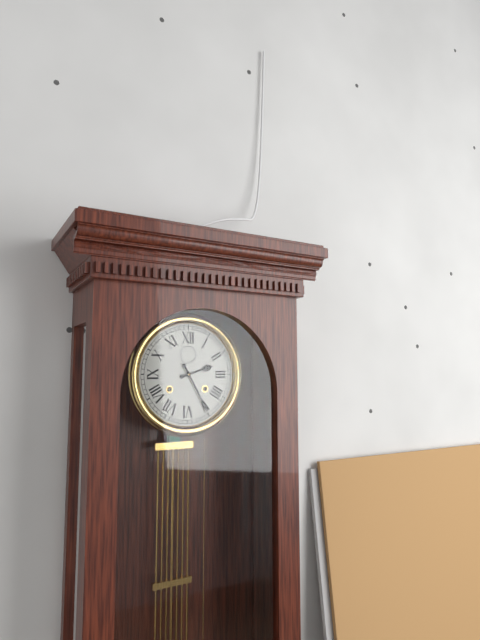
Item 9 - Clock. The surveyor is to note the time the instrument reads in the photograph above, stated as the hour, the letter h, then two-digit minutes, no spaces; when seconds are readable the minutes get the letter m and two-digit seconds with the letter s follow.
2h25
